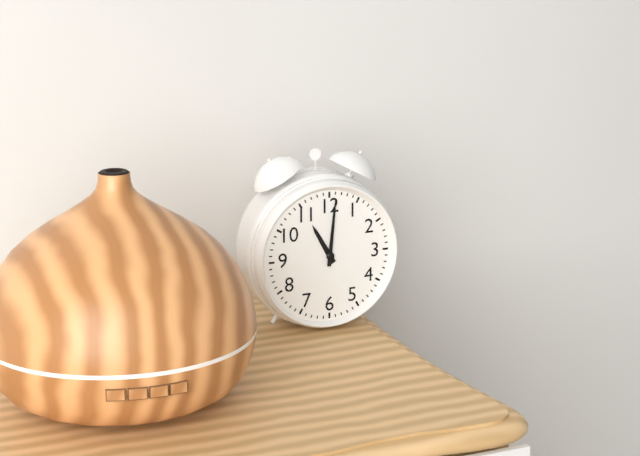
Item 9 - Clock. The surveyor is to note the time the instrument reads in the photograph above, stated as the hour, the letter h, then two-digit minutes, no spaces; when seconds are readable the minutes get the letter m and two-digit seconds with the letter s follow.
11h01
